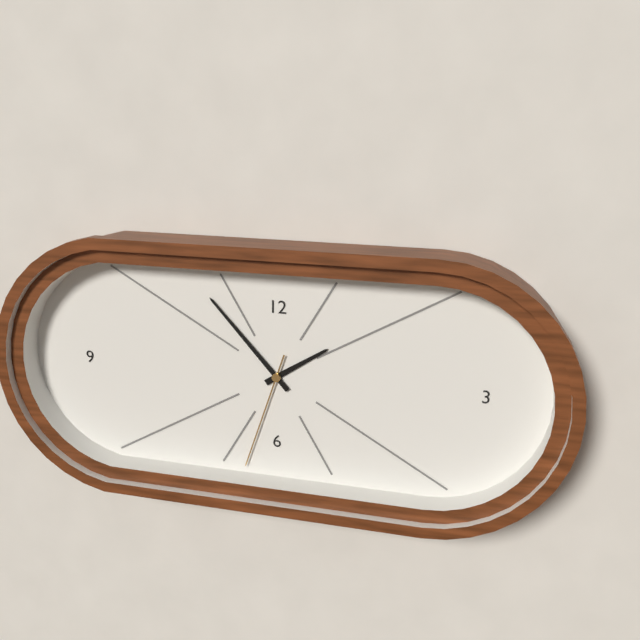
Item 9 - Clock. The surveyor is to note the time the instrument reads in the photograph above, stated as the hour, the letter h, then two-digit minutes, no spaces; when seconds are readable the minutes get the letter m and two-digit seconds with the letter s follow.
1h53m33s
